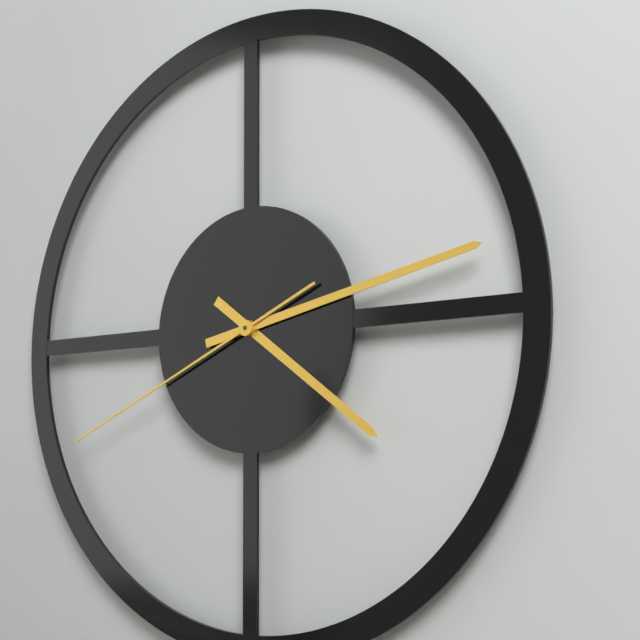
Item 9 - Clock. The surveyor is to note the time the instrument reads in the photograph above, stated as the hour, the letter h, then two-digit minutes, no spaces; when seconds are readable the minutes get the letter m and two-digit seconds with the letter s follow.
4h13m41s
